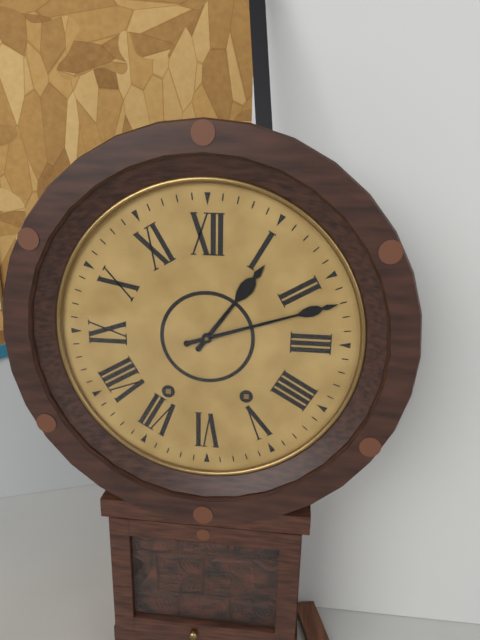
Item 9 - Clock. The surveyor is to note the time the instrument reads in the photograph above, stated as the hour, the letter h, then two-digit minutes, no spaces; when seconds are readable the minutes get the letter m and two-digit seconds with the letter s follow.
1h12
